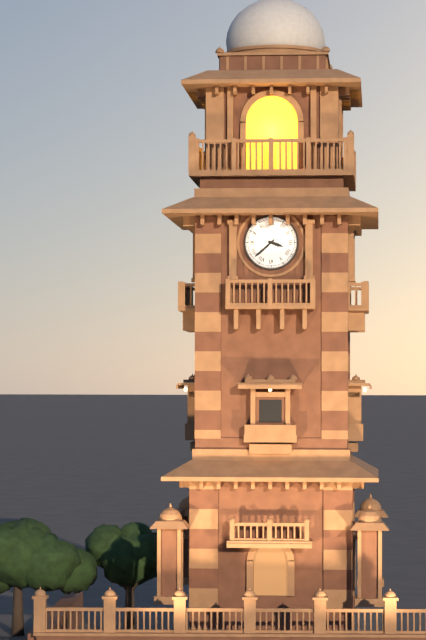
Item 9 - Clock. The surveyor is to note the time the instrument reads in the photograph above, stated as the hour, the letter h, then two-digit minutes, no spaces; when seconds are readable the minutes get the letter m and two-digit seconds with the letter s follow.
3h38
